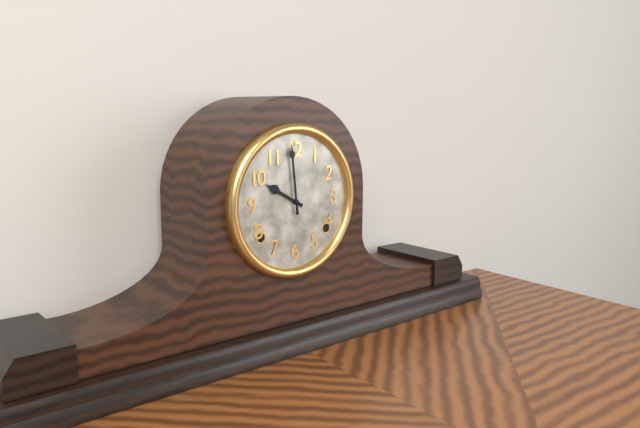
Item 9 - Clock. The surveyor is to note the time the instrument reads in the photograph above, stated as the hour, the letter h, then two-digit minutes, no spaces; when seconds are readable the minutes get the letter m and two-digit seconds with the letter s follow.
9h59
